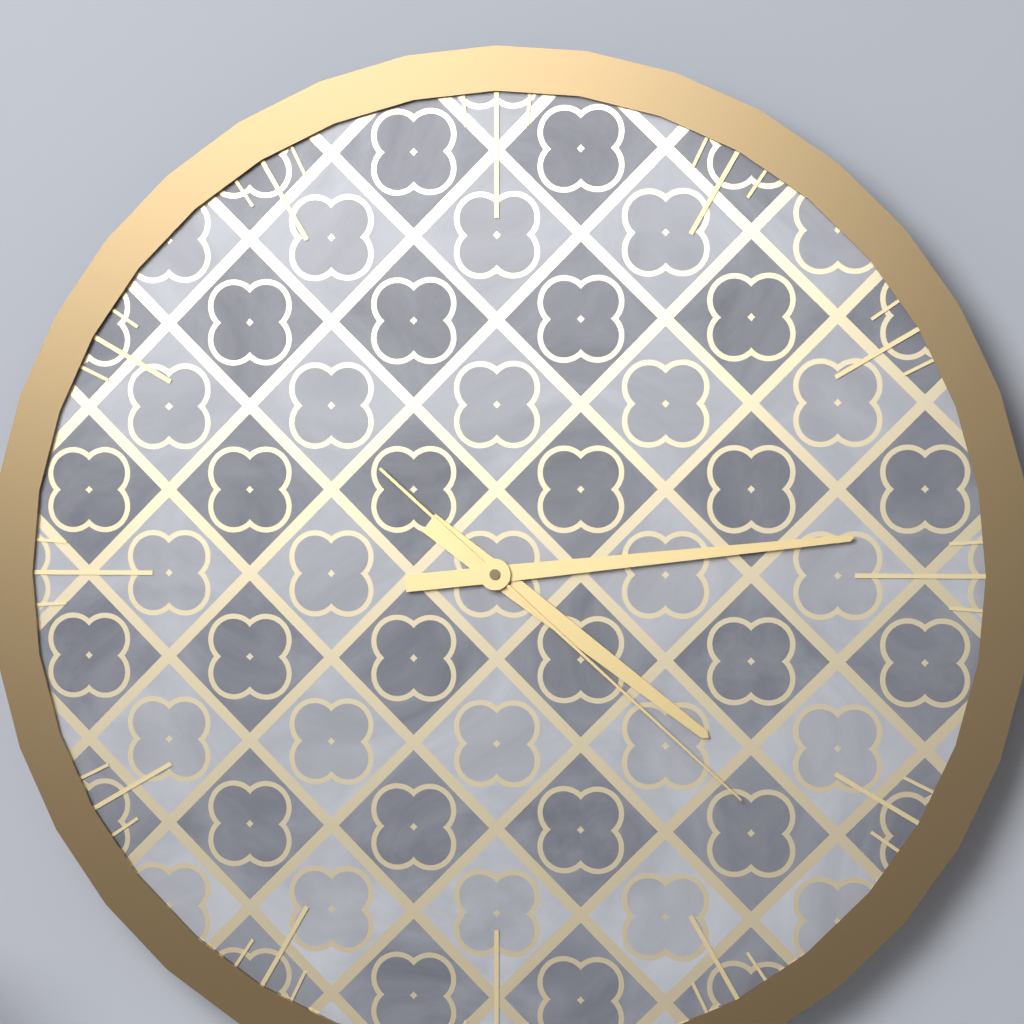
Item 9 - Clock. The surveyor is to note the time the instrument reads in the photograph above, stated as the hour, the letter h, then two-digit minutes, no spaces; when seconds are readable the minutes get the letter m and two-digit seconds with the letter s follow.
4h14m22s
